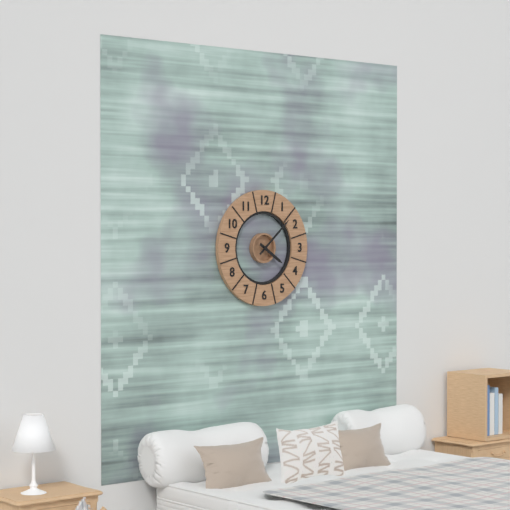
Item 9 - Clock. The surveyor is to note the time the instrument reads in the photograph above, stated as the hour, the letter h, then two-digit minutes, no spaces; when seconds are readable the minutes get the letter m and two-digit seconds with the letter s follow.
4h08
